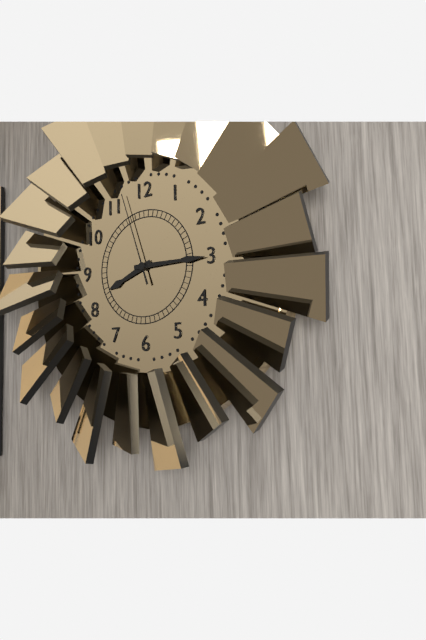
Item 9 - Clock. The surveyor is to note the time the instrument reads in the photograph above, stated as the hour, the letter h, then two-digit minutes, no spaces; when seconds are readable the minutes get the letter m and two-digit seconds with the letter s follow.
8h15m57s
